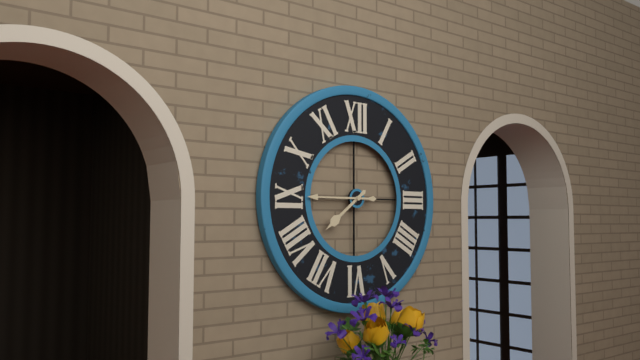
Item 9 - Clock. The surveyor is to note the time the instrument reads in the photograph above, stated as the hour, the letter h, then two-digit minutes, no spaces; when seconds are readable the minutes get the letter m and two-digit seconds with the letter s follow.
7h45
